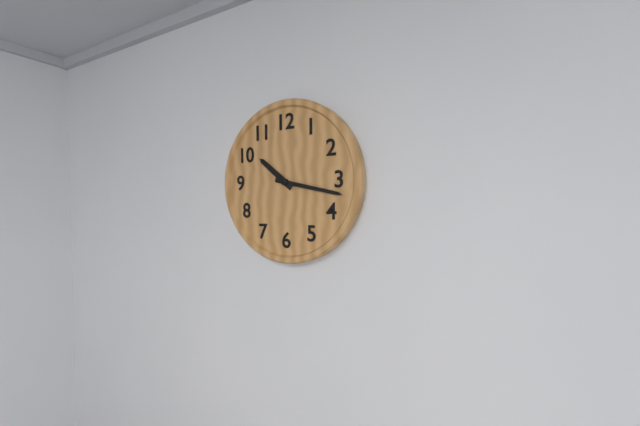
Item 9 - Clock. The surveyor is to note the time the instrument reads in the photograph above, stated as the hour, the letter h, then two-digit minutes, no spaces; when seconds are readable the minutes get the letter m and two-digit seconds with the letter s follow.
10h17
